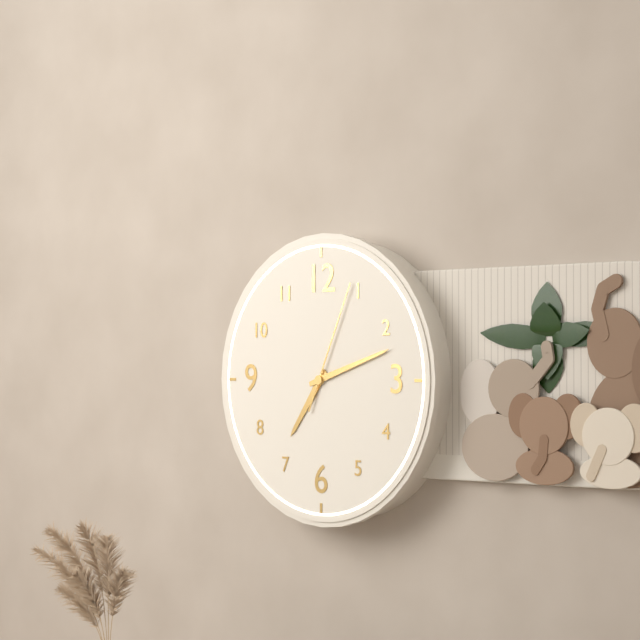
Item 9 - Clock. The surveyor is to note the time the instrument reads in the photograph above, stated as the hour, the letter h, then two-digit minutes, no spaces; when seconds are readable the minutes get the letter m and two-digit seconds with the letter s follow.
7h12m04s
